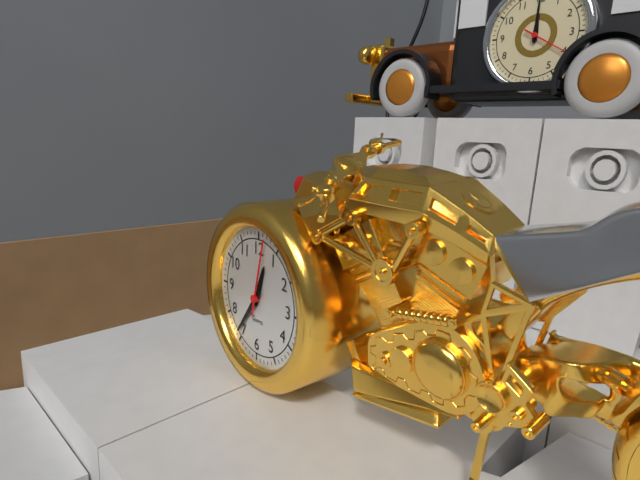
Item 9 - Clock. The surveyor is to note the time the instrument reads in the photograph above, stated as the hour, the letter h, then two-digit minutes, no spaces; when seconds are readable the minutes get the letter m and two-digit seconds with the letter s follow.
12h36m02s
